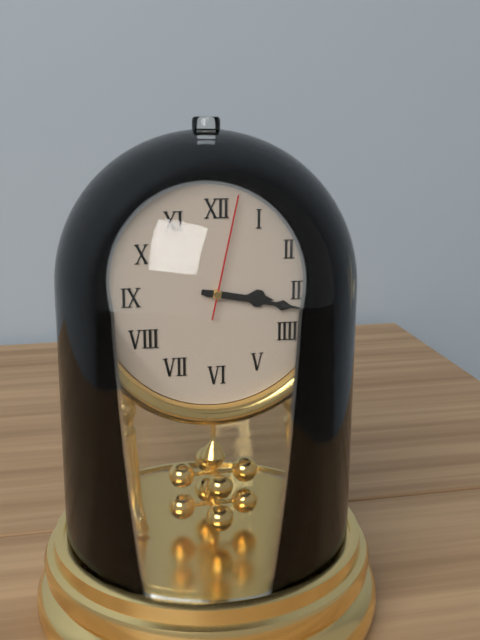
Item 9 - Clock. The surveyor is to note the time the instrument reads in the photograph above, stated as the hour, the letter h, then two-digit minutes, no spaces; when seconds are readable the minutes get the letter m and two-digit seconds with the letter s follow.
3h17m02s
